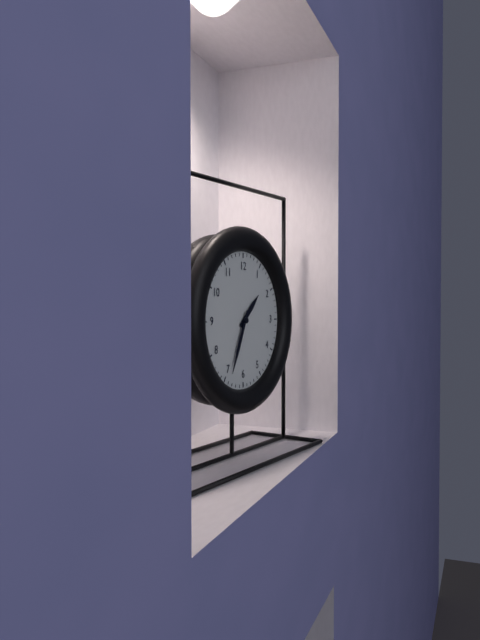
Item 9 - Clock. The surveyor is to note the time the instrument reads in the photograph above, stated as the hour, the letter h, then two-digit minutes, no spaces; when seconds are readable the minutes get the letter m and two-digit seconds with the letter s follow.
1h34
